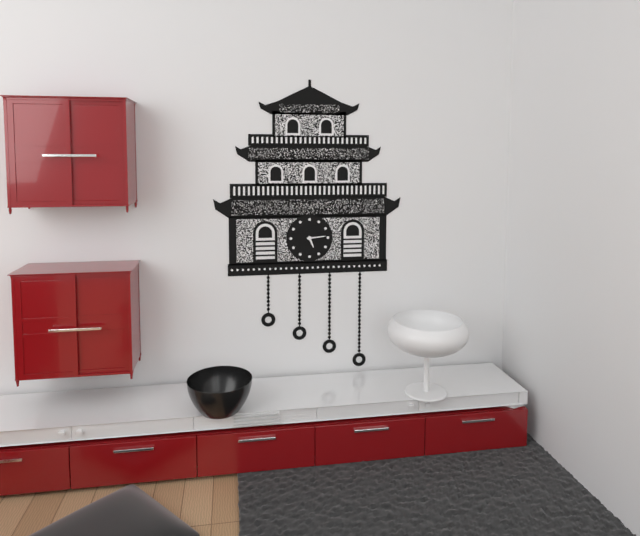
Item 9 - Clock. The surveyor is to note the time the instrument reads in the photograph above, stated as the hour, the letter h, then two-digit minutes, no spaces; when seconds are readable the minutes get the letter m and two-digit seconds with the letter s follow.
5h14
